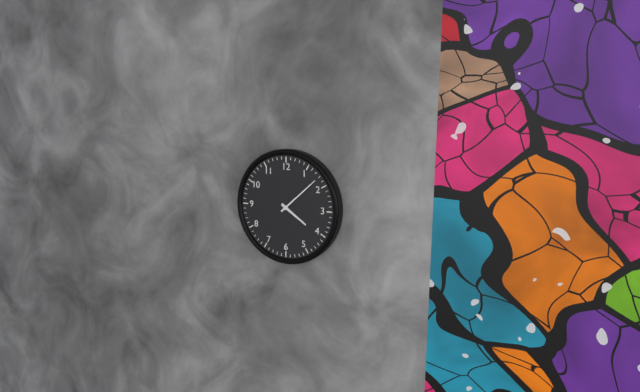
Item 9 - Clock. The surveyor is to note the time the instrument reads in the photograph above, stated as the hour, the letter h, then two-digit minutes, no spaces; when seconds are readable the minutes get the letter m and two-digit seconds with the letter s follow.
4h08
